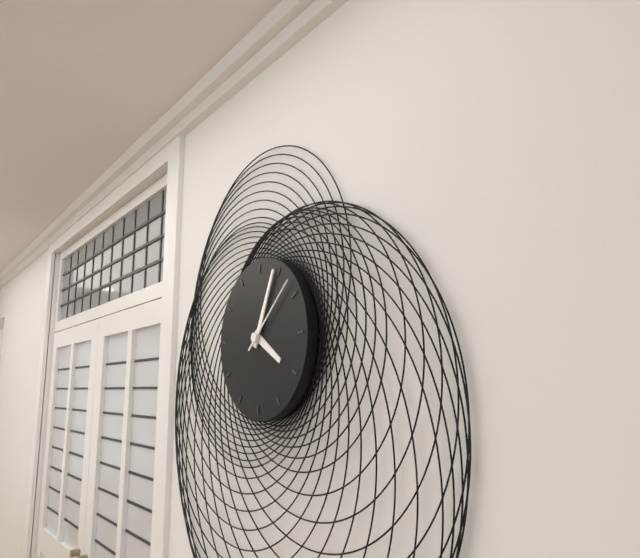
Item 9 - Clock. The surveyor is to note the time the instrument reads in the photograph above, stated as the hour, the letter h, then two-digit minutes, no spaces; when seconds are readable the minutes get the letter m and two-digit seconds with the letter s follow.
4h04m08s
